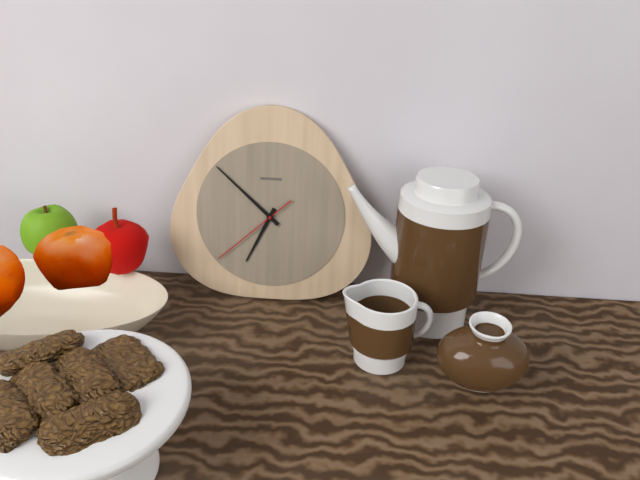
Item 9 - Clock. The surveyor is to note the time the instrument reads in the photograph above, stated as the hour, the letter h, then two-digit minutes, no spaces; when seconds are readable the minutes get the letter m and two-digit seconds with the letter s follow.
6h52m38s
